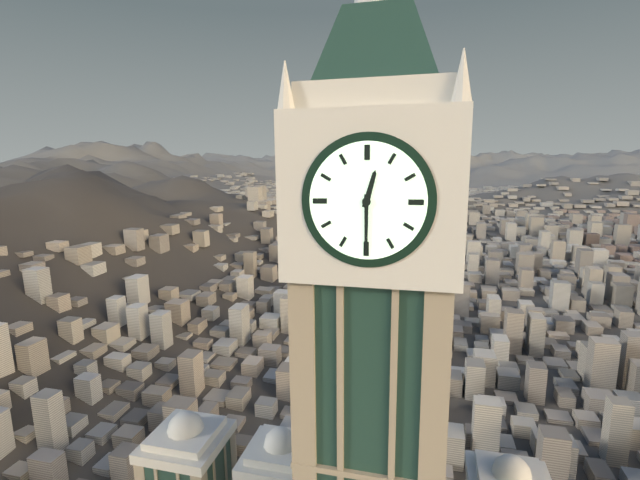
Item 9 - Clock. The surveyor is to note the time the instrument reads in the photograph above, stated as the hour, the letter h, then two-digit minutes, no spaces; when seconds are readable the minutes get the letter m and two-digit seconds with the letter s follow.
12h30
